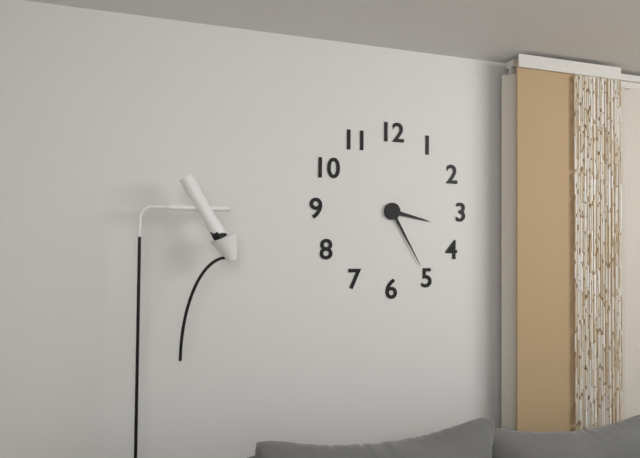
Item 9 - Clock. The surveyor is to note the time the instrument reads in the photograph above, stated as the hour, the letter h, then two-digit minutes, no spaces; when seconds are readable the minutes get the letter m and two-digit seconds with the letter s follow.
3h25
